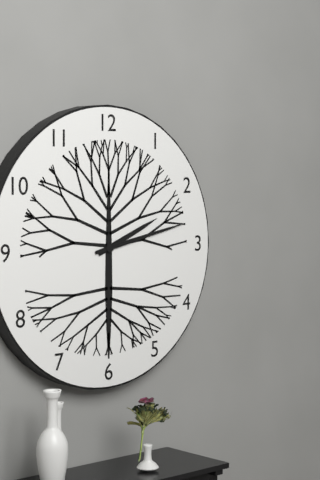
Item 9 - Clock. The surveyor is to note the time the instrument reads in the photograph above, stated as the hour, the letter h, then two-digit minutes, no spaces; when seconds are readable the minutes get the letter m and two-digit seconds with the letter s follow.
2h13
